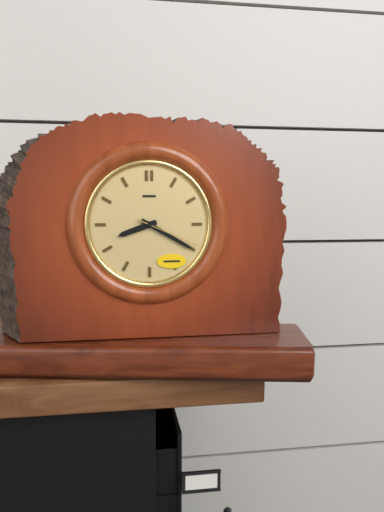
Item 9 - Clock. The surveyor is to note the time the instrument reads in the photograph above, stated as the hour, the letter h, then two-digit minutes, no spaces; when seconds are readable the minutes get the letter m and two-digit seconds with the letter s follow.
8h20m19s
